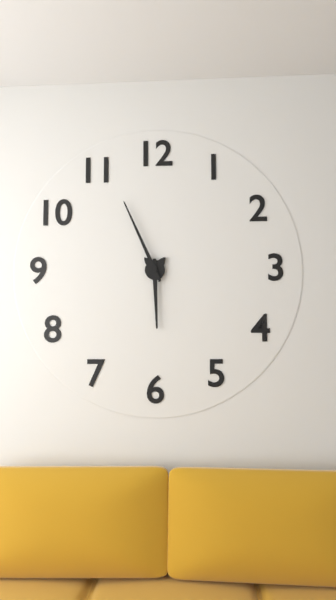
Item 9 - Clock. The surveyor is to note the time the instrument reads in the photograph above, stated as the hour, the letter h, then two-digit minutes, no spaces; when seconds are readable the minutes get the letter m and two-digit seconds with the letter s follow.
5h56
